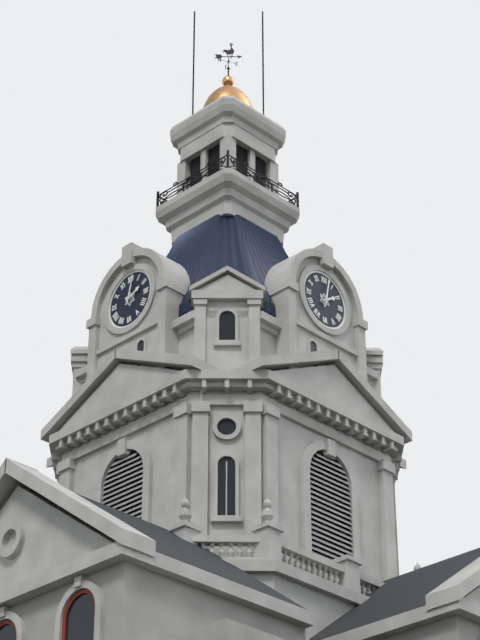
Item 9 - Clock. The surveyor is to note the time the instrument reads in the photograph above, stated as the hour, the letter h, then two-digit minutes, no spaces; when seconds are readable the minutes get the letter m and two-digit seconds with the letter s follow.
2h02
